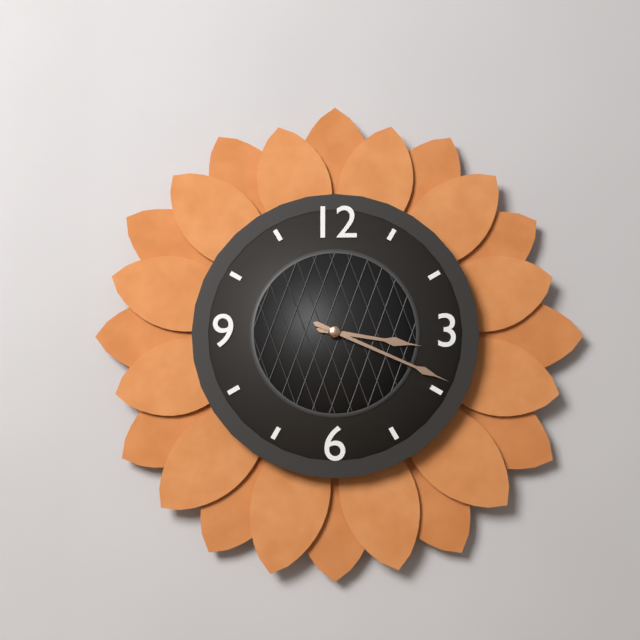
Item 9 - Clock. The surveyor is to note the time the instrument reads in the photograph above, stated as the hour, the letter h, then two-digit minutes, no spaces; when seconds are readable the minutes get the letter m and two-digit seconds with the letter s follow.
3h19
